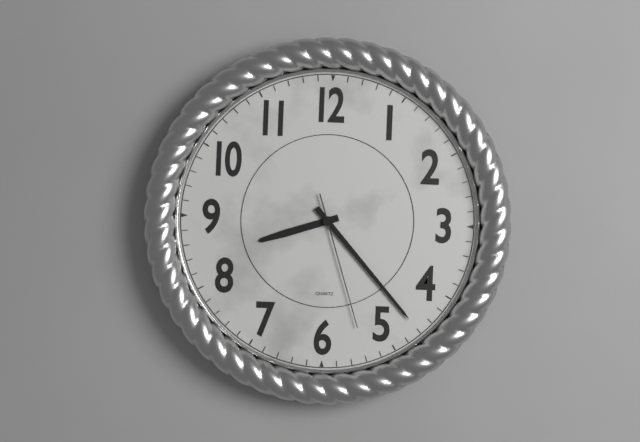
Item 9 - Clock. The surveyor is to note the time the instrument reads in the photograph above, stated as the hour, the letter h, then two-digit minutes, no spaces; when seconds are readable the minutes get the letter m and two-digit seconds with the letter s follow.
8h23m27s
